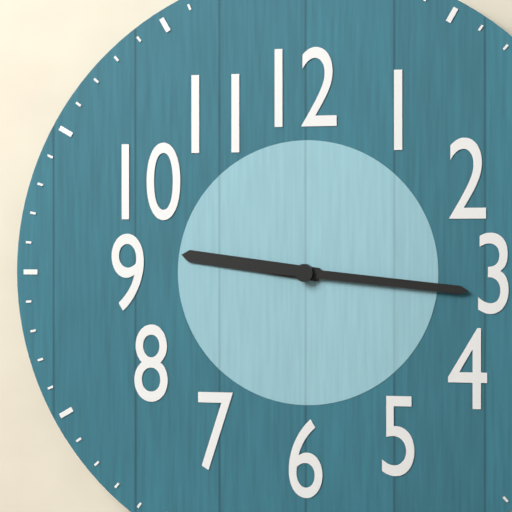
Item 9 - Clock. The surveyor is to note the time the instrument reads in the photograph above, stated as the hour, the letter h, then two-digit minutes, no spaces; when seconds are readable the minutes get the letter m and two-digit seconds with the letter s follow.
9h16
